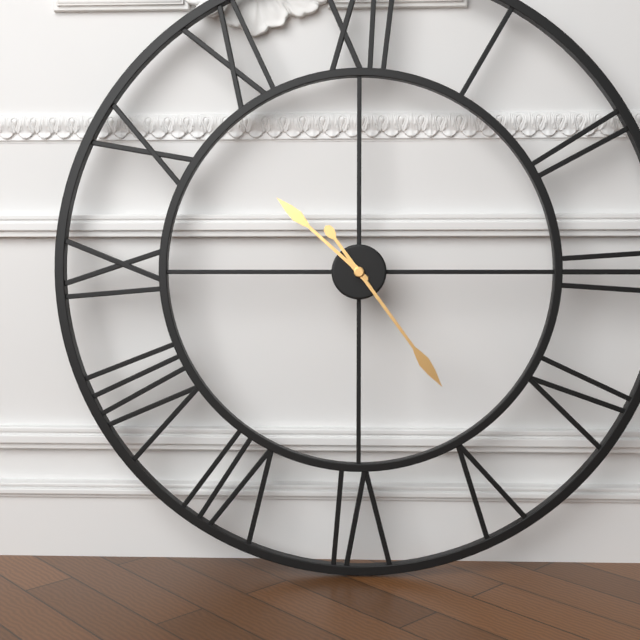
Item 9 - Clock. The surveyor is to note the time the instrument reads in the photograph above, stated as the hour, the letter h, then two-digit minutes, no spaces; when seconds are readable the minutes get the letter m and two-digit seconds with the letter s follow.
10h24
